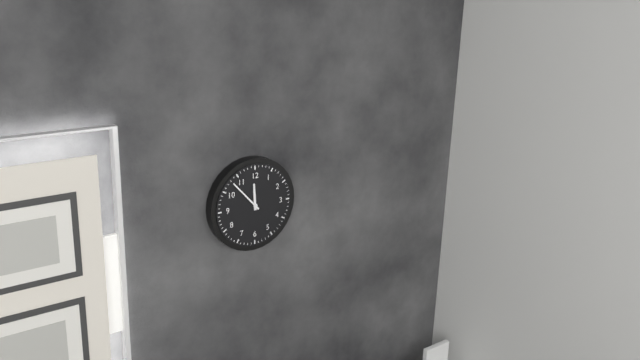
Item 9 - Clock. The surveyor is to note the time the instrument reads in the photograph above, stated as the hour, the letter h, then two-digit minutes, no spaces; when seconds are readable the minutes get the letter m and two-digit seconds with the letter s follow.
11h53
